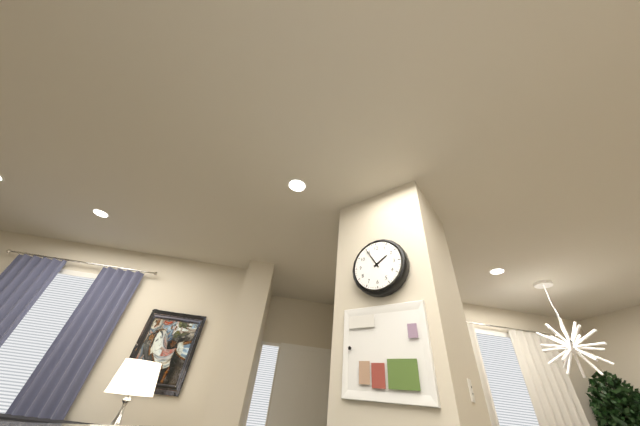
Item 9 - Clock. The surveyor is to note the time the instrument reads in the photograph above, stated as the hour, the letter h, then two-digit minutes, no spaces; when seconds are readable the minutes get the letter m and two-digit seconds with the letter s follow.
1h55
